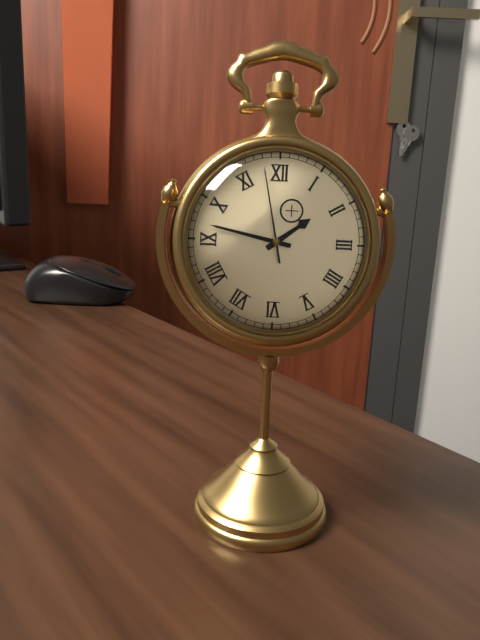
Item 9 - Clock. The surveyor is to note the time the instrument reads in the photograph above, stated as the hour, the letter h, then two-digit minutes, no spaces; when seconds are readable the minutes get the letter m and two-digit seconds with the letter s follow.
1h47m58s
